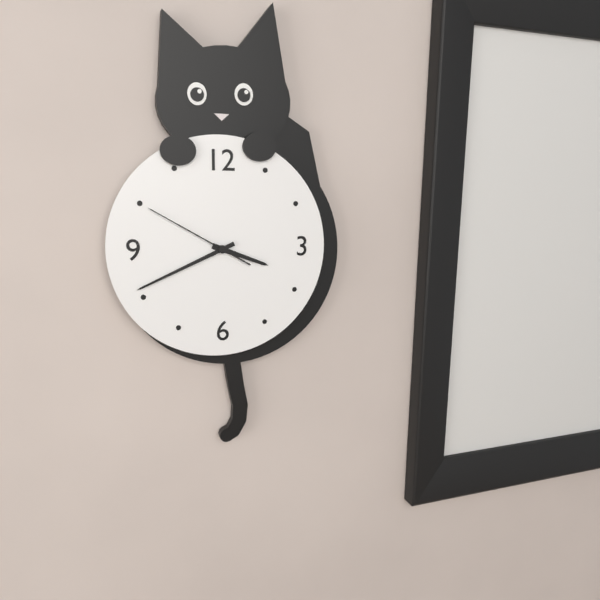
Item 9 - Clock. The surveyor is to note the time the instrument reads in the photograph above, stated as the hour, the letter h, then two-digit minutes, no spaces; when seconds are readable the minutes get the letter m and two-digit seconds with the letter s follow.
3h41m50s
